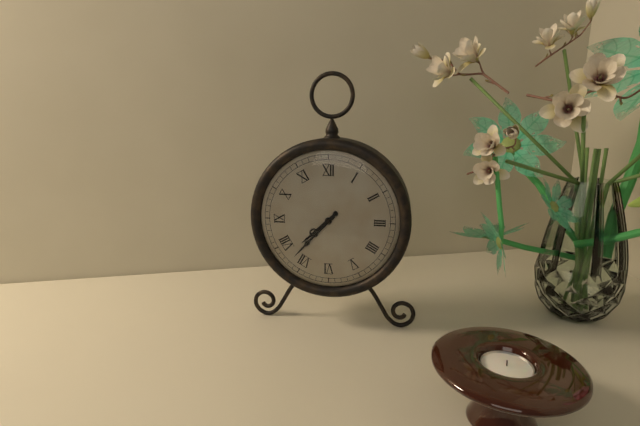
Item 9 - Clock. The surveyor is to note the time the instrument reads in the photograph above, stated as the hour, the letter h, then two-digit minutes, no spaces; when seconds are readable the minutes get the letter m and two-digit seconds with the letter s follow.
7h37
